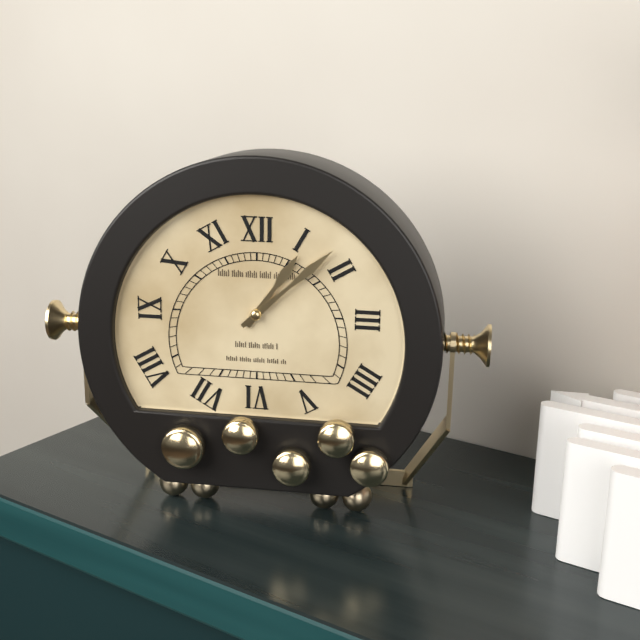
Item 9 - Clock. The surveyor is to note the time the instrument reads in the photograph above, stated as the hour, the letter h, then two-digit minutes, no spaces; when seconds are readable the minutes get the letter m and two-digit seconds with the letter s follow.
1h08
